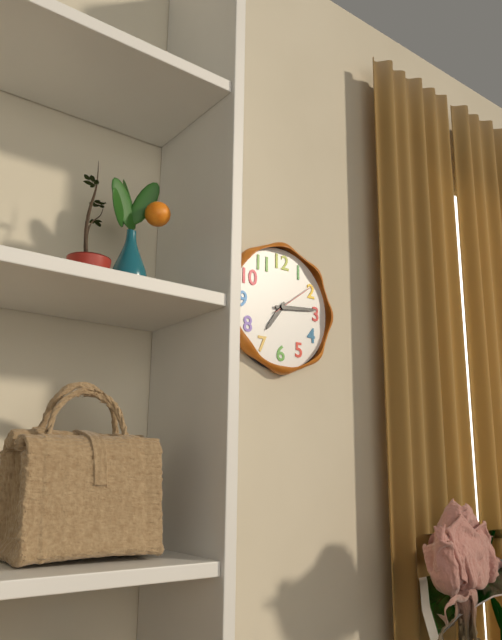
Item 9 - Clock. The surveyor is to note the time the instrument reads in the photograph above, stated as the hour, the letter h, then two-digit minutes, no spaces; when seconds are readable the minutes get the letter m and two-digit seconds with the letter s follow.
7h14
